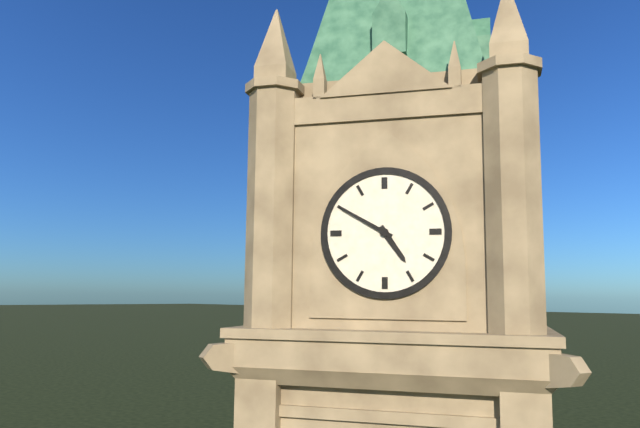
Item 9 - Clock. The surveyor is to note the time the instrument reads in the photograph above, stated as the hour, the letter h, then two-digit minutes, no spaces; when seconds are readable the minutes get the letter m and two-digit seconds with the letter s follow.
4h50
